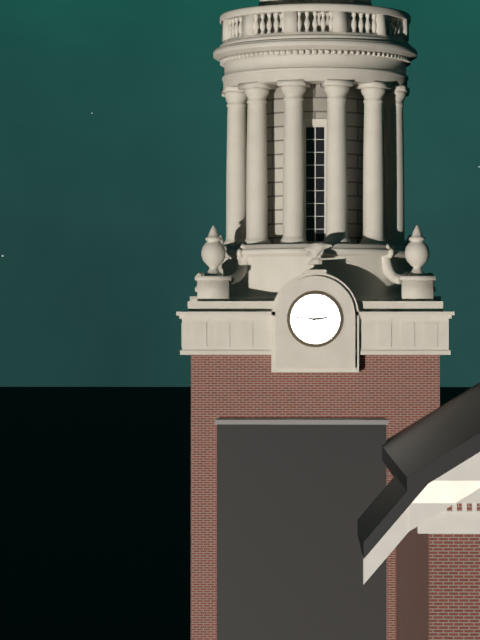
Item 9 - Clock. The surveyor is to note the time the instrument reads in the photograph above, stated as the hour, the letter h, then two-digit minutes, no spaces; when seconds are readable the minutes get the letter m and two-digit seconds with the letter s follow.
2h46
